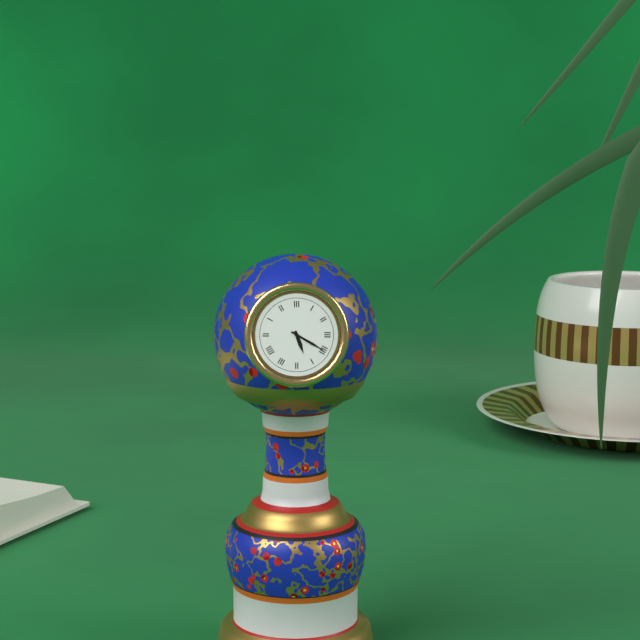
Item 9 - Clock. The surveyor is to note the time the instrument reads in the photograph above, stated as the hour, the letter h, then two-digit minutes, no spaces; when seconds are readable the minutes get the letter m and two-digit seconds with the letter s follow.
5h20
